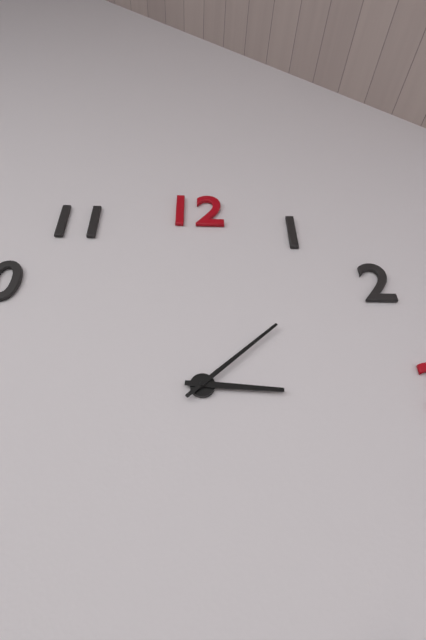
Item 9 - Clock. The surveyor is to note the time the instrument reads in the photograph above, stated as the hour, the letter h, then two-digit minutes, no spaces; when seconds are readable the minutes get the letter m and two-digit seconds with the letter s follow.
3h08
